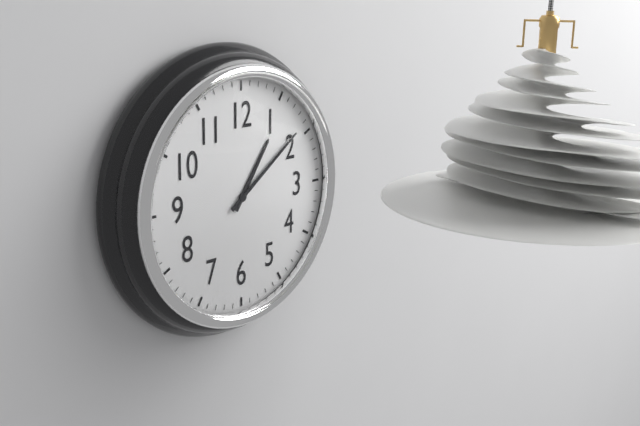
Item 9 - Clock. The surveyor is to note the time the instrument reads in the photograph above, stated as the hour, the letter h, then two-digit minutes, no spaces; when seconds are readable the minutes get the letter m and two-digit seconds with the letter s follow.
1h09
